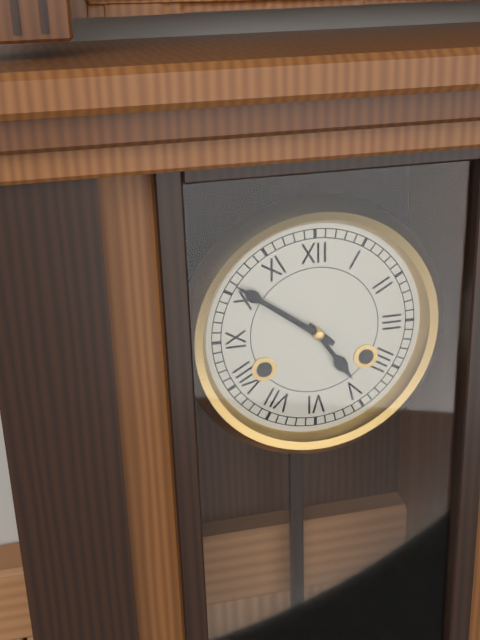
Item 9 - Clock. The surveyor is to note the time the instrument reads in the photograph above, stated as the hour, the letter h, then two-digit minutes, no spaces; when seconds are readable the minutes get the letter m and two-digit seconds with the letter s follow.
4h51
